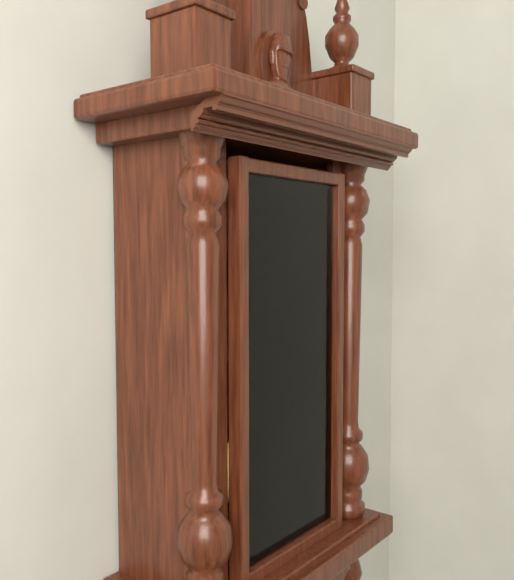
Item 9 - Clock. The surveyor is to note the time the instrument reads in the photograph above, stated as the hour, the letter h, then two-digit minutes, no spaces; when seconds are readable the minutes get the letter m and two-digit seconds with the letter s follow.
10h50
